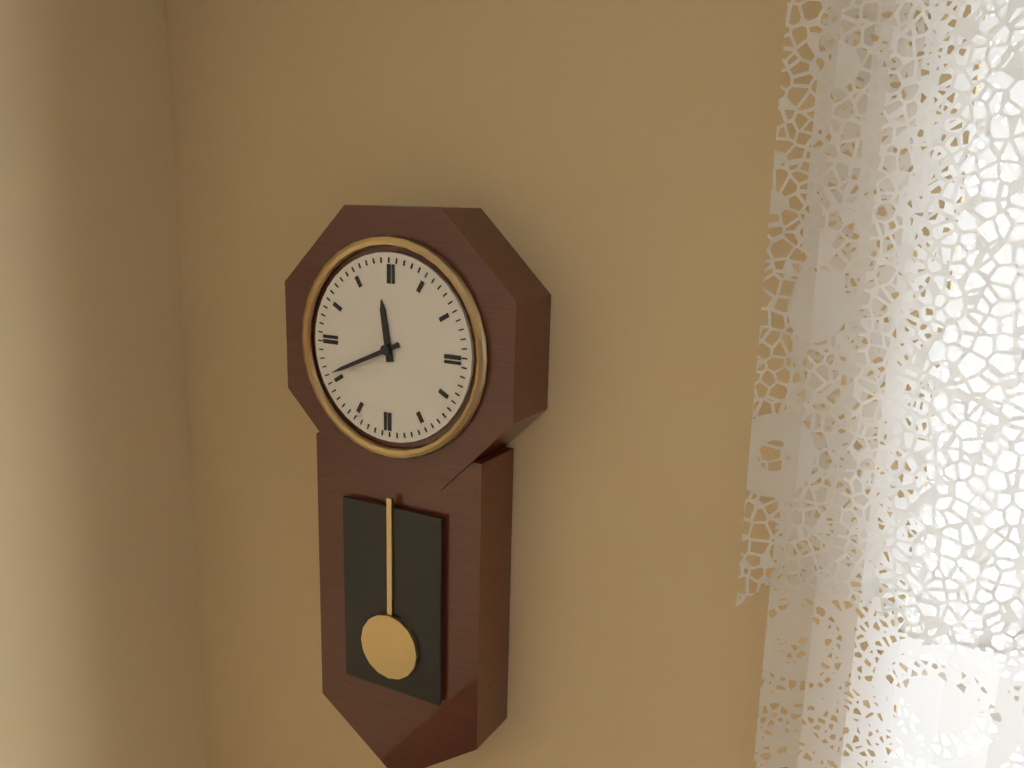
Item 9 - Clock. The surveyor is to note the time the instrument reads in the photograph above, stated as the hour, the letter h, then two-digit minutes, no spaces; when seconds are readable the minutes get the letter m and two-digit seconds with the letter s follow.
11h41
